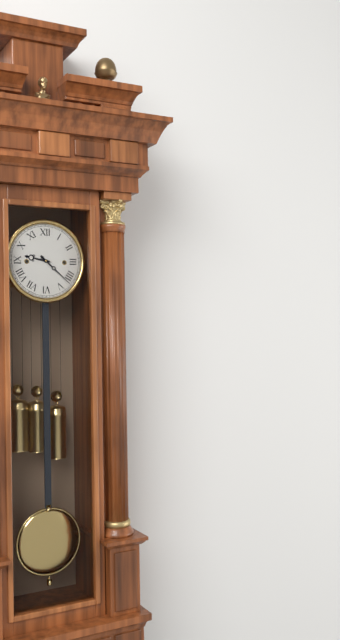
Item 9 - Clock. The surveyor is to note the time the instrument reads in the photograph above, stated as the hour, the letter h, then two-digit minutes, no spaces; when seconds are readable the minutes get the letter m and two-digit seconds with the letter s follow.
9h22
